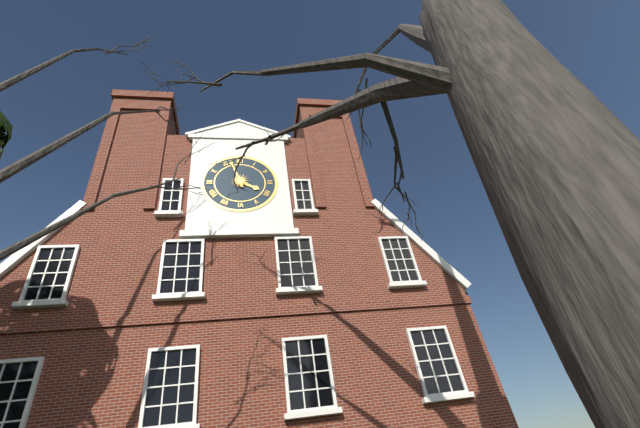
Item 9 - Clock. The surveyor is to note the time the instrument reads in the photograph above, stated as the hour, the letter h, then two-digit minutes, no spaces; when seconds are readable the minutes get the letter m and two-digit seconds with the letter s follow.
3h57
